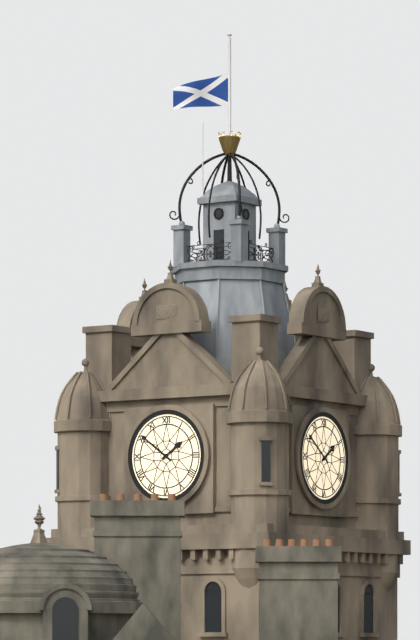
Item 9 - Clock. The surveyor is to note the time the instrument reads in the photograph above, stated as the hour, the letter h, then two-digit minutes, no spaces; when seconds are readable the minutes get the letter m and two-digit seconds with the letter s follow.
1h51
